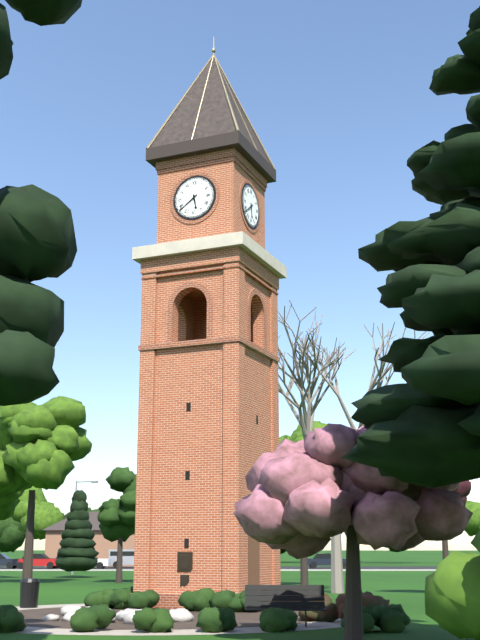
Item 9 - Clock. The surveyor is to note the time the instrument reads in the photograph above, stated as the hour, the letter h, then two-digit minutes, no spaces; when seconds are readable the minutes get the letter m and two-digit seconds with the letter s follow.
5h39
